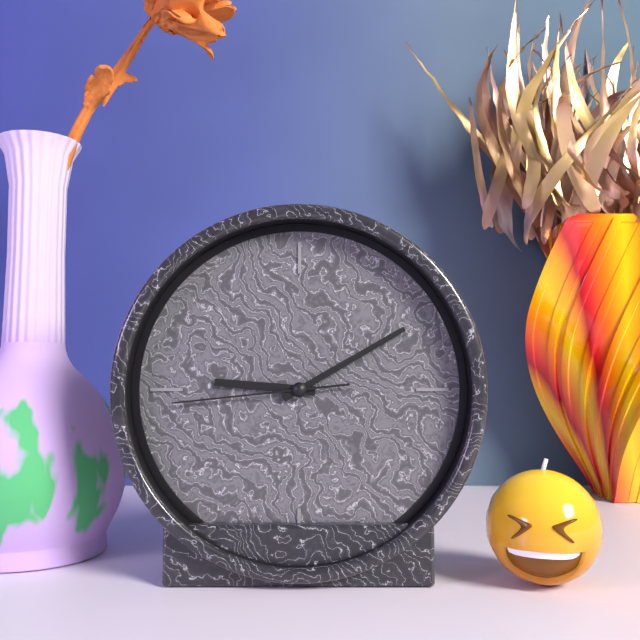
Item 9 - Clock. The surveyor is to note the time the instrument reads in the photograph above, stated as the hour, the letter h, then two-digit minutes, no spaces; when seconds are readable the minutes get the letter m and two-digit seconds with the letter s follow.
9h10m44s
